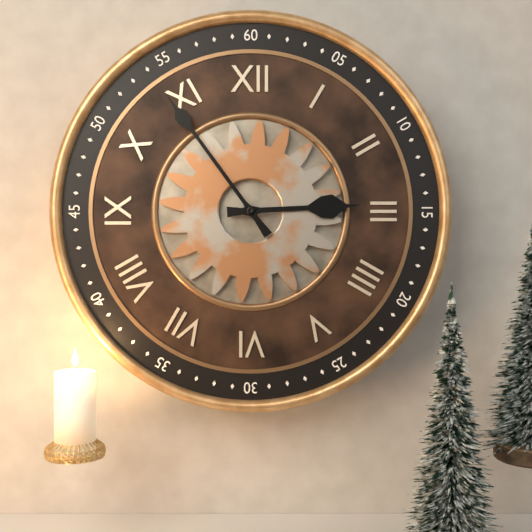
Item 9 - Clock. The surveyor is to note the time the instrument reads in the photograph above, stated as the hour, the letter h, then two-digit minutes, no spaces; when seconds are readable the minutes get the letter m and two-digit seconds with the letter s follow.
2h54
